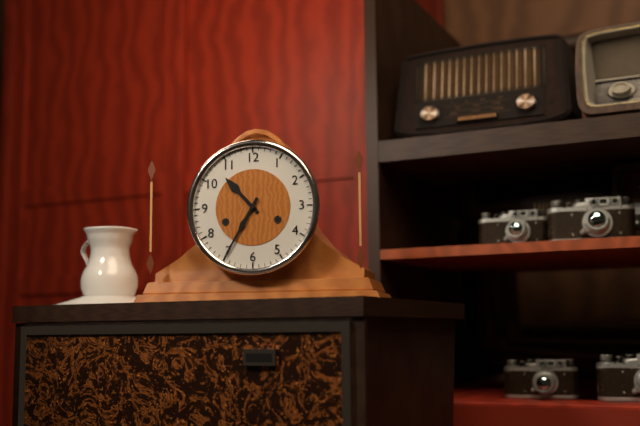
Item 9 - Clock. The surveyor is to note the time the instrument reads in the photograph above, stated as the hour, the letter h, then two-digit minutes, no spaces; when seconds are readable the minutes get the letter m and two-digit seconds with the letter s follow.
10h35
